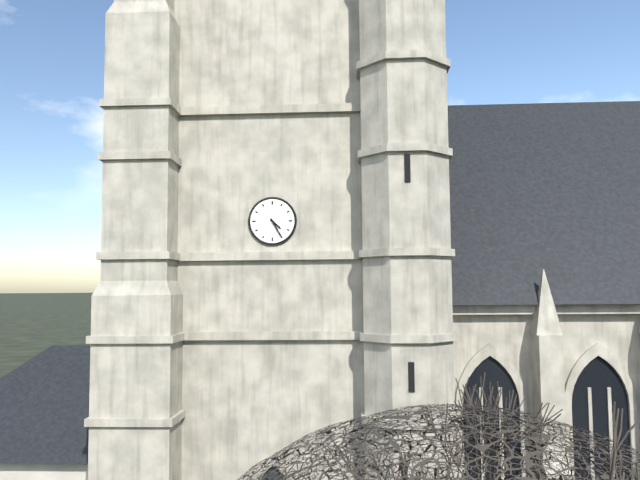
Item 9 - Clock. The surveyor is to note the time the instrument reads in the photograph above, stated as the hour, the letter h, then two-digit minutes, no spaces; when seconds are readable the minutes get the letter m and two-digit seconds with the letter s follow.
4h25
